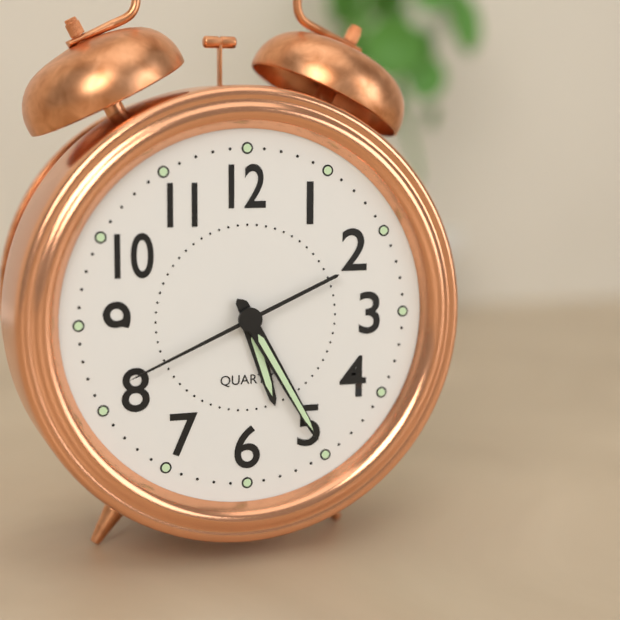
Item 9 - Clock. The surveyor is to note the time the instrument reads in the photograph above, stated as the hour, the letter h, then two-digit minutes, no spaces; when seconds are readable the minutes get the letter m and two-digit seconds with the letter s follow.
5h25m41s
